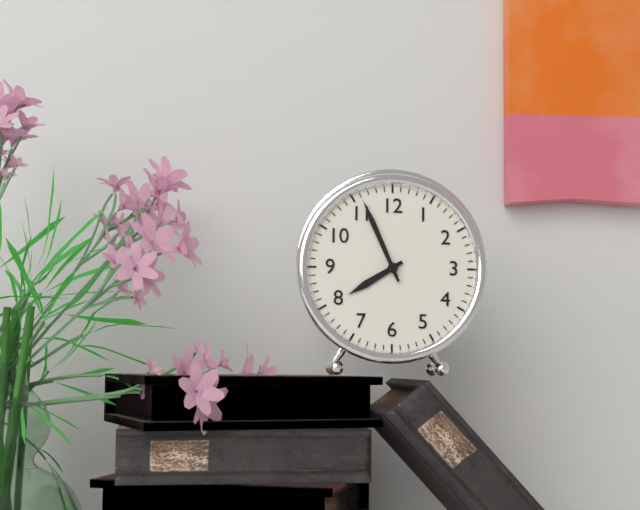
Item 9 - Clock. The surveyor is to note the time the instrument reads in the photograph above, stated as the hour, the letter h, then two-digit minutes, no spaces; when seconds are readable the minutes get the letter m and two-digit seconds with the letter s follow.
7h56
